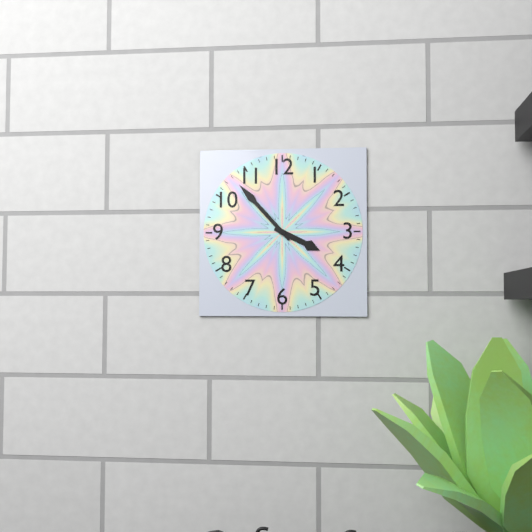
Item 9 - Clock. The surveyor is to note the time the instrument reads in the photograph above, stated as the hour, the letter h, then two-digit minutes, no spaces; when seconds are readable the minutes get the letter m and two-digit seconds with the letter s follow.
3h53
